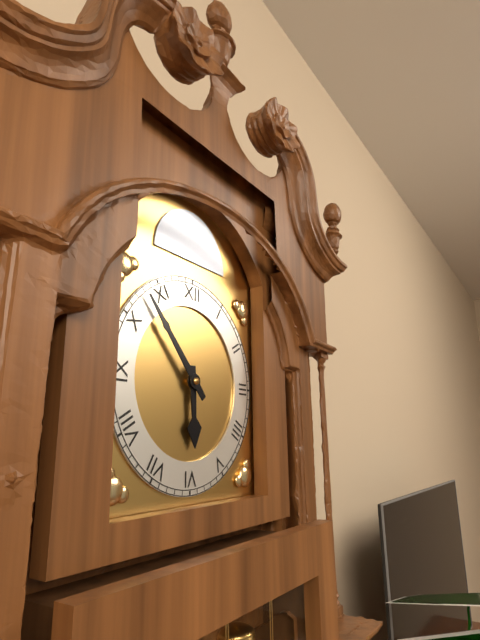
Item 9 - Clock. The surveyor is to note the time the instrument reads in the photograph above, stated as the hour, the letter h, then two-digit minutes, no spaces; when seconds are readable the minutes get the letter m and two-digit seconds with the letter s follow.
5h53
